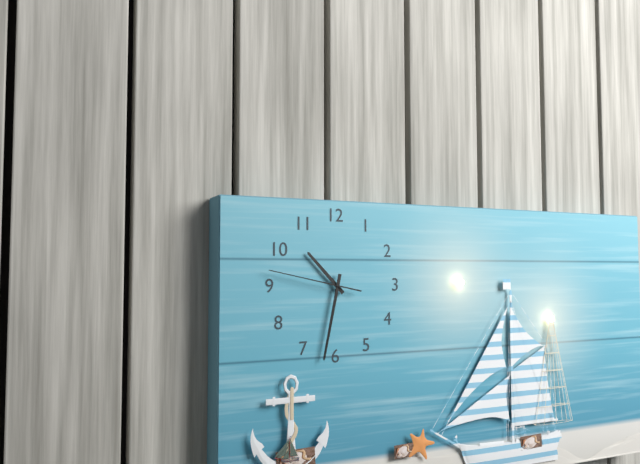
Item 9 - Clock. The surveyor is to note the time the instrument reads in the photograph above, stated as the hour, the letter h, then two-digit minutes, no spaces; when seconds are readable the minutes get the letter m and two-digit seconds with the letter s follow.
10h32m47s
